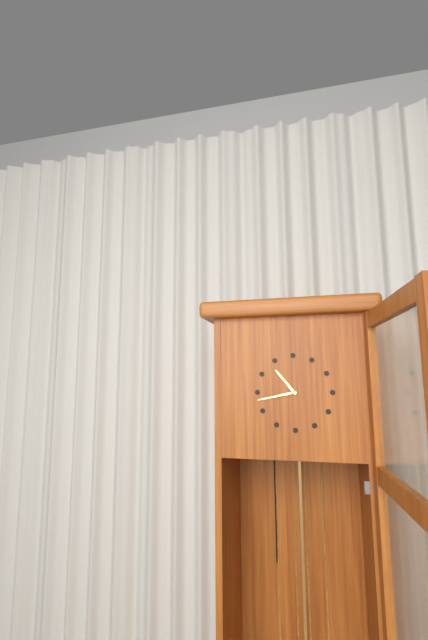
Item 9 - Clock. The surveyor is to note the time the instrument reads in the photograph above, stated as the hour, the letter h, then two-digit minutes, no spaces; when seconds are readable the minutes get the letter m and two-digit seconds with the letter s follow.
10h43
